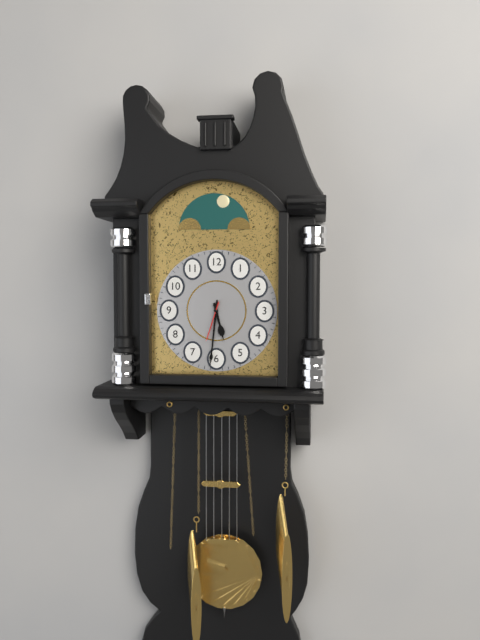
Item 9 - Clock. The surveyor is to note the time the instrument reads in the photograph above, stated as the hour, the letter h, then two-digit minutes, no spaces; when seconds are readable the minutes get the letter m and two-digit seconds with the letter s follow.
5h31
